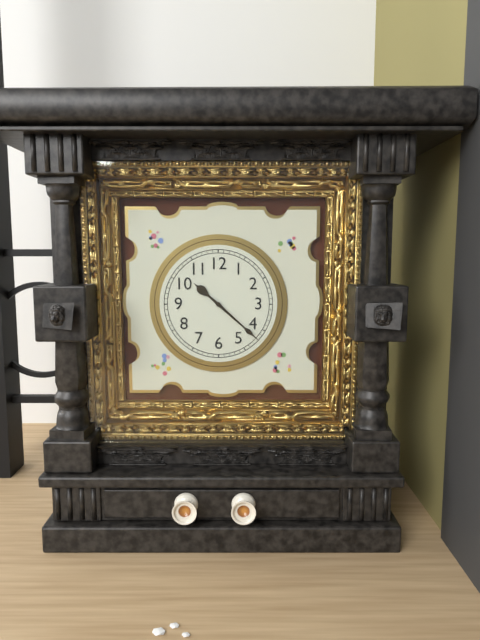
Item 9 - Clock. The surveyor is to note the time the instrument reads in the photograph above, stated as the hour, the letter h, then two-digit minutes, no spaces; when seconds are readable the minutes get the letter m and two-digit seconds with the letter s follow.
10h22
